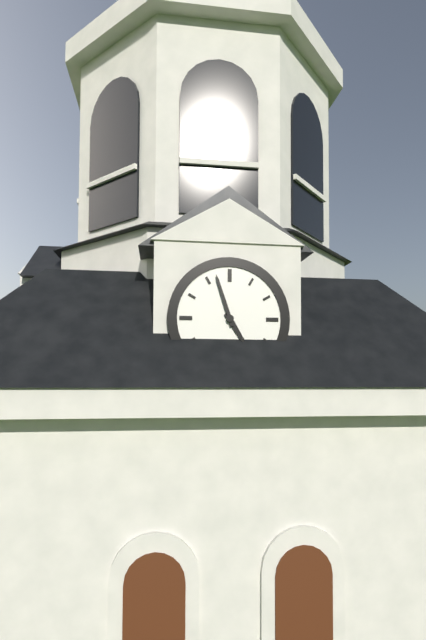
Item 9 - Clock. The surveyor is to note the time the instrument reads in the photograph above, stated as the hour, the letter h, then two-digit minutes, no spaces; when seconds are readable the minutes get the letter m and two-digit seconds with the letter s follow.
4h57
